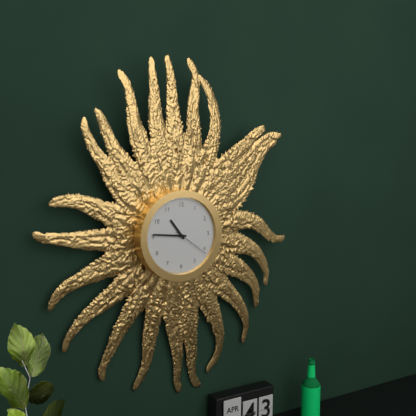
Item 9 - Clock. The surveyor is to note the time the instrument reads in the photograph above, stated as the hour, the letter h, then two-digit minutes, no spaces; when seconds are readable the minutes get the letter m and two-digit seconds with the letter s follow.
10h46
